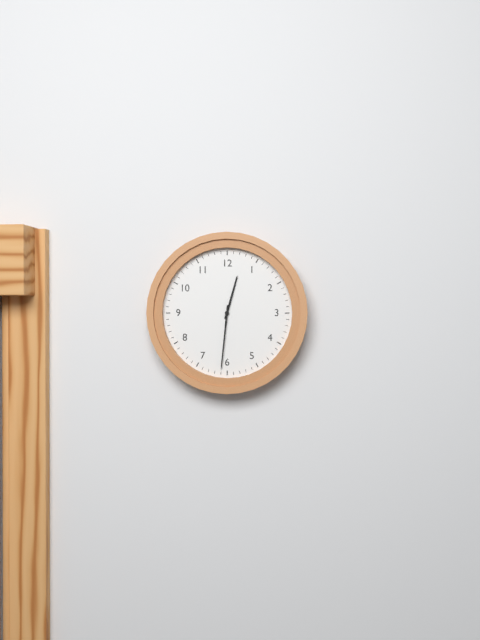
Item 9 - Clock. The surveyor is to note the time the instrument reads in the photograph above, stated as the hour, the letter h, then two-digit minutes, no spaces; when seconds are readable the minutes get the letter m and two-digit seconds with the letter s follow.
12h31
